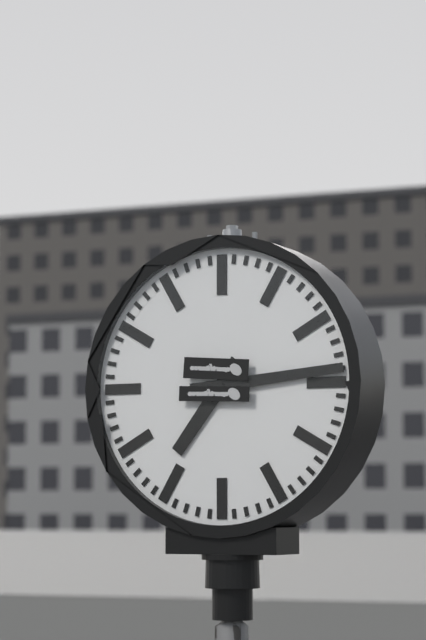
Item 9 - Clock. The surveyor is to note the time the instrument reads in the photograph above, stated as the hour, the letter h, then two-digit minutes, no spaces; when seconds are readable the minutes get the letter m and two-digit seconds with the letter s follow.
7h14
